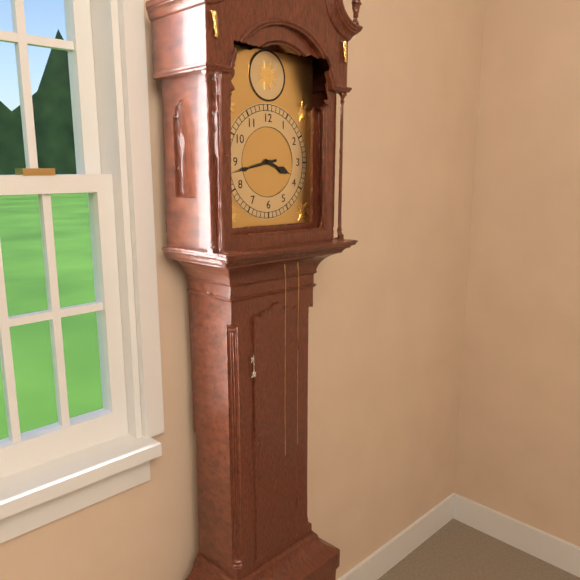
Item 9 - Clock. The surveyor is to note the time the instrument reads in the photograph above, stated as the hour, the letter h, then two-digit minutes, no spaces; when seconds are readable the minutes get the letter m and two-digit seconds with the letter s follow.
3h43
